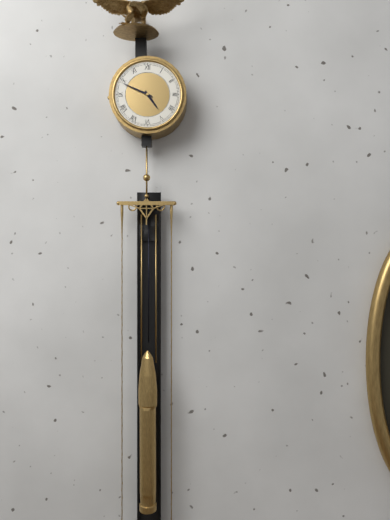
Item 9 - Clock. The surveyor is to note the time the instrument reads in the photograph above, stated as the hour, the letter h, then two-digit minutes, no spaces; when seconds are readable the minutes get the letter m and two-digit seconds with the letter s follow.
4h49
